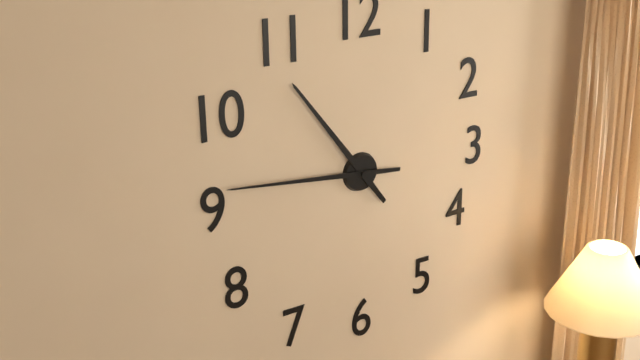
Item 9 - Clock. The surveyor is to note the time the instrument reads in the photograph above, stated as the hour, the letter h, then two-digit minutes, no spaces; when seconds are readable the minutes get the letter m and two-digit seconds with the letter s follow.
10h46
